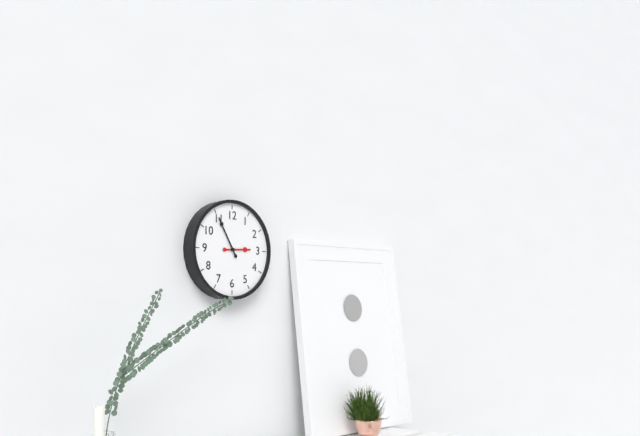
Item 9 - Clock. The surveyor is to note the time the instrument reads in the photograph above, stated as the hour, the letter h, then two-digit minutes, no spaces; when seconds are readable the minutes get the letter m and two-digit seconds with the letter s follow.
2h55
